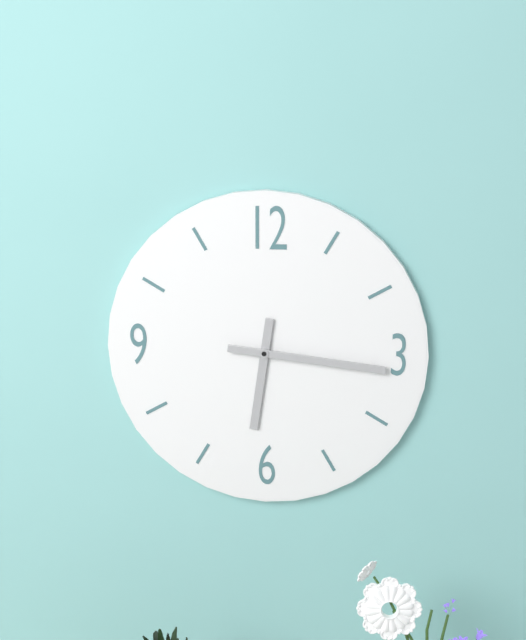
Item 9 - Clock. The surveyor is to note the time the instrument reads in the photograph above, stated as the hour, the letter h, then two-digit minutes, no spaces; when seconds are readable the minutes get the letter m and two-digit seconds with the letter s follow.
6h16
